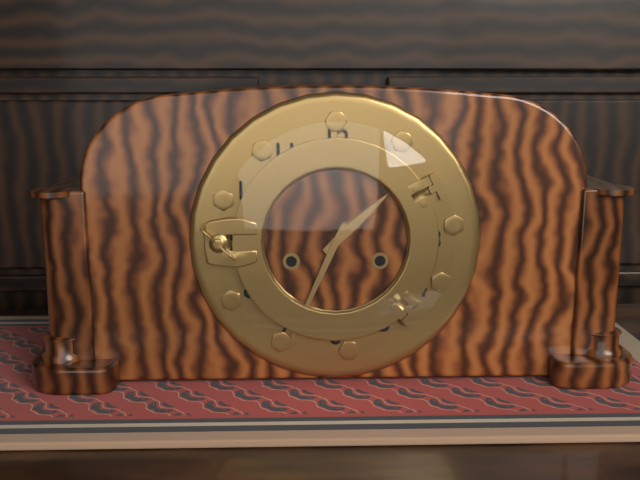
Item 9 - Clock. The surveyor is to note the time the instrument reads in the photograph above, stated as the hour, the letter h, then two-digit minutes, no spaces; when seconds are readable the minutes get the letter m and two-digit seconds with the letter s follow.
1h34
